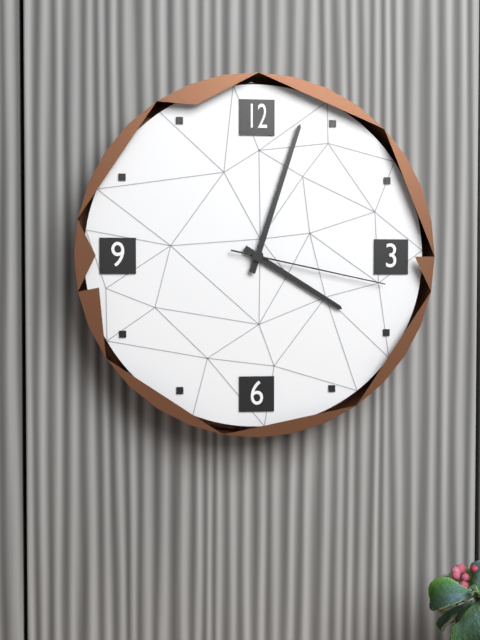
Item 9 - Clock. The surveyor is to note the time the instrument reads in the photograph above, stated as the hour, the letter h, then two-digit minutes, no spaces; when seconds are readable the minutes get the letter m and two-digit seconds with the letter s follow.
4h03m17s
